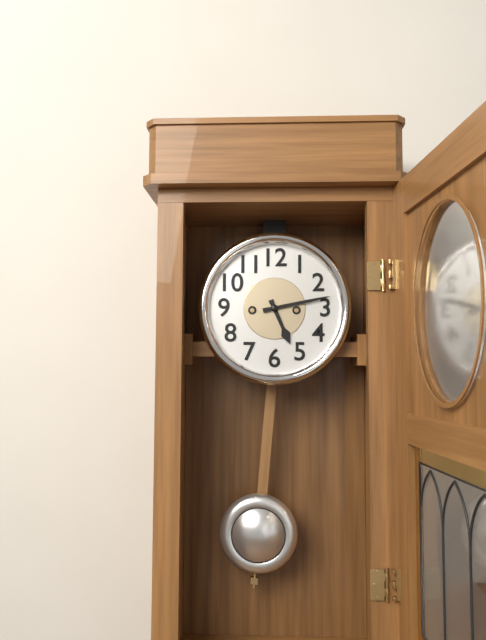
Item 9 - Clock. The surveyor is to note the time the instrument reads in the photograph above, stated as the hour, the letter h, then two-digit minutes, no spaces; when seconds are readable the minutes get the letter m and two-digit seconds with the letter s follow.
5h13
